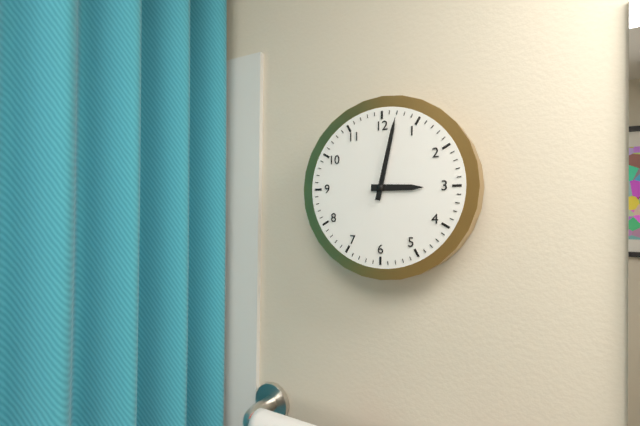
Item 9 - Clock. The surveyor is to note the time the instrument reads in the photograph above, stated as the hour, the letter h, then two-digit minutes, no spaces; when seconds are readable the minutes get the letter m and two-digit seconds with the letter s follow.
3h02
